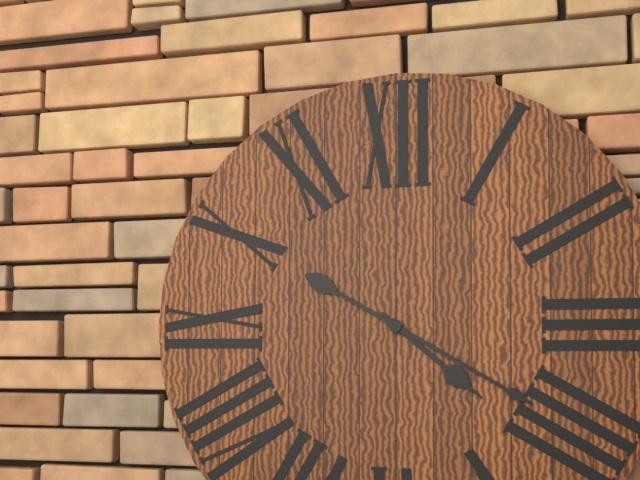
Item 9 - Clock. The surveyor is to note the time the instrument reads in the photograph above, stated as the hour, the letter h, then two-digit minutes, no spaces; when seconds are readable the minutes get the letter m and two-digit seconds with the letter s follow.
4h20
